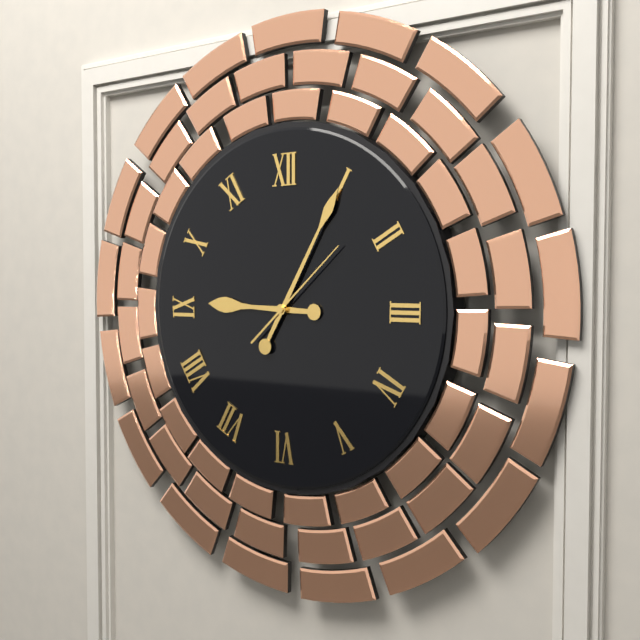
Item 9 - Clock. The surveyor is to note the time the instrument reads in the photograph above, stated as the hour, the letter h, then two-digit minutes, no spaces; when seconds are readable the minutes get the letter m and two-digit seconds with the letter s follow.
9h05m08s
